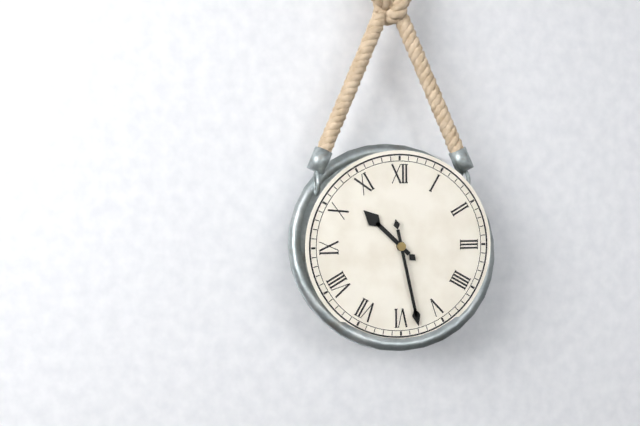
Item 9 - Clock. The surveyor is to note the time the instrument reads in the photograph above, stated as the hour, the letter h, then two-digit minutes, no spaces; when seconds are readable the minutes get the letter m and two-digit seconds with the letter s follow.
10h28
